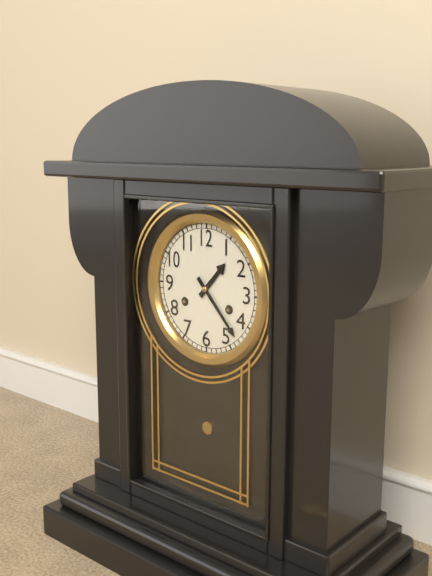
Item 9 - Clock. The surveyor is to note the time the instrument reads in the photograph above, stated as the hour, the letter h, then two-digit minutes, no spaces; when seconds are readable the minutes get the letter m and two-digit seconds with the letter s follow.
1h23
